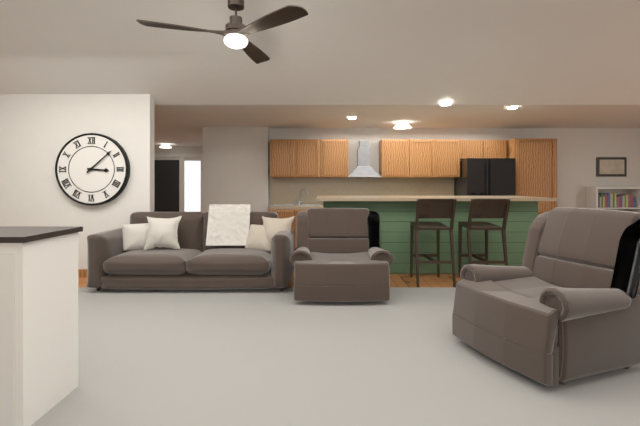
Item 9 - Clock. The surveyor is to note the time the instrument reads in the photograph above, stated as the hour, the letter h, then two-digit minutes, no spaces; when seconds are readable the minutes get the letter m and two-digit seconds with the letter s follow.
3h08
